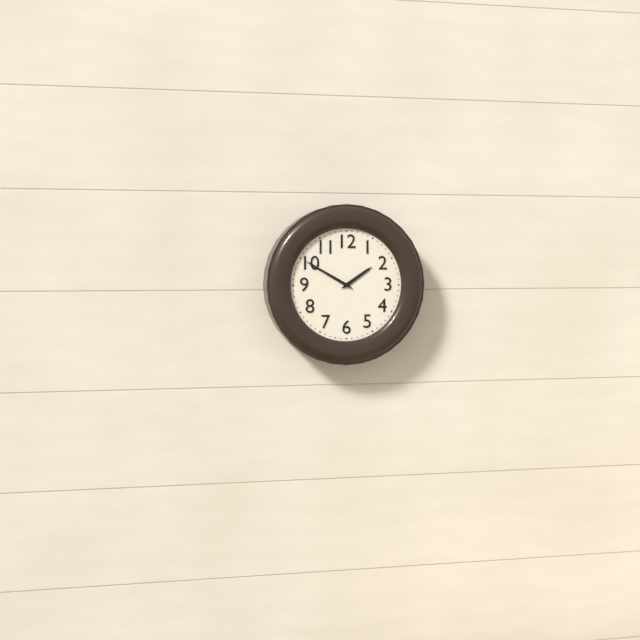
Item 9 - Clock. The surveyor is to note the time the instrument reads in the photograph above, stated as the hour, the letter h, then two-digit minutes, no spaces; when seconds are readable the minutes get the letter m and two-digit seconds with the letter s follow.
1h50
